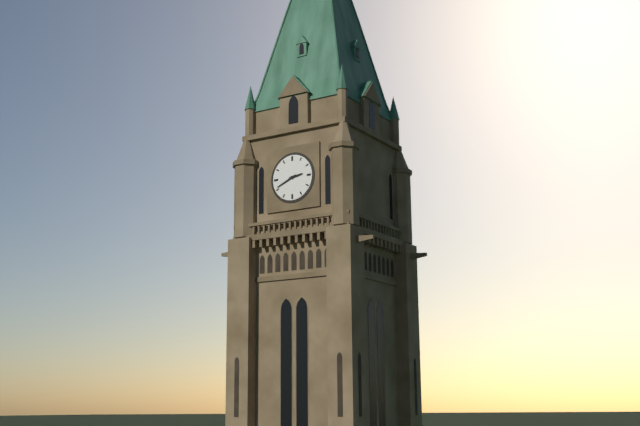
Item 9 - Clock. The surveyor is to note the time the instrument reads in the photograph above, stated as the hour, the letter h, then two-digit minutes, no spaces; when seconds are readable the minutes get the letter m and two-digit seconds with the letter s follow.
2h41
